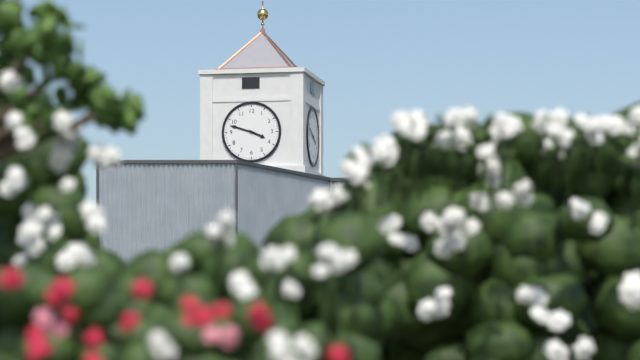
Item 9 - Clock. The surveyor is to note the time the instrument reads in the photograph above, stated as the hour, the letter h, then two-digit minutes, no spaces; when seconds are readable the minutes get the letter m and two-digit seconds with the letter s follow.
3h48
